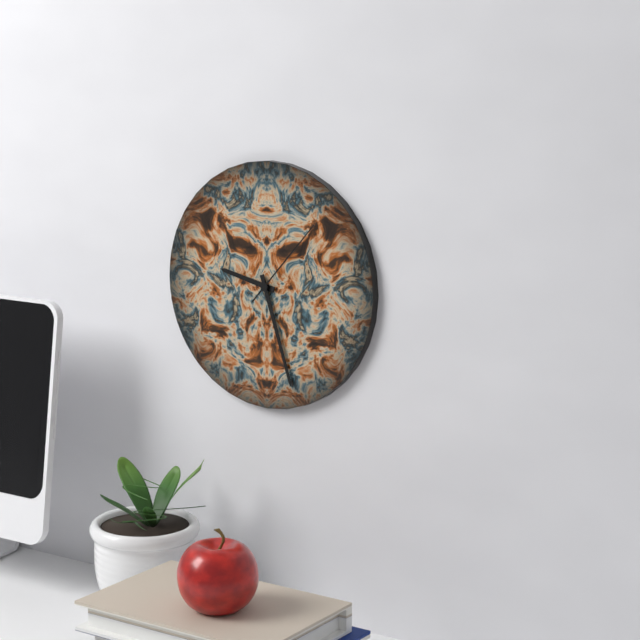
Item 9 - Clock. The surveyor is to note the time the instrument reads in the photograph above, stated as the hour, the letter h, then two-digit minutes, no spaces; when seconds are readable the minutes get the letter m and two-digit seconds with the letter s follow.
9h27m07s
